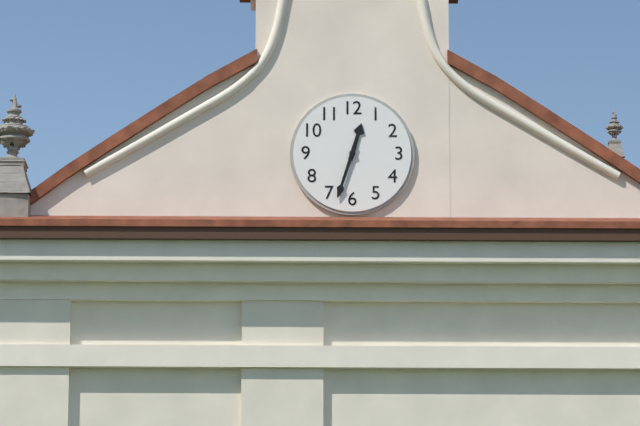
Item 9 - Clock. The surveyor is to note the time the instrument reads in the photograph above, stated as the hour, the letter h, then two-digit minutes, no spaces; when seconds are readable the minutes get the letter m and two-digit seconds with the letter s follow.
12h33
